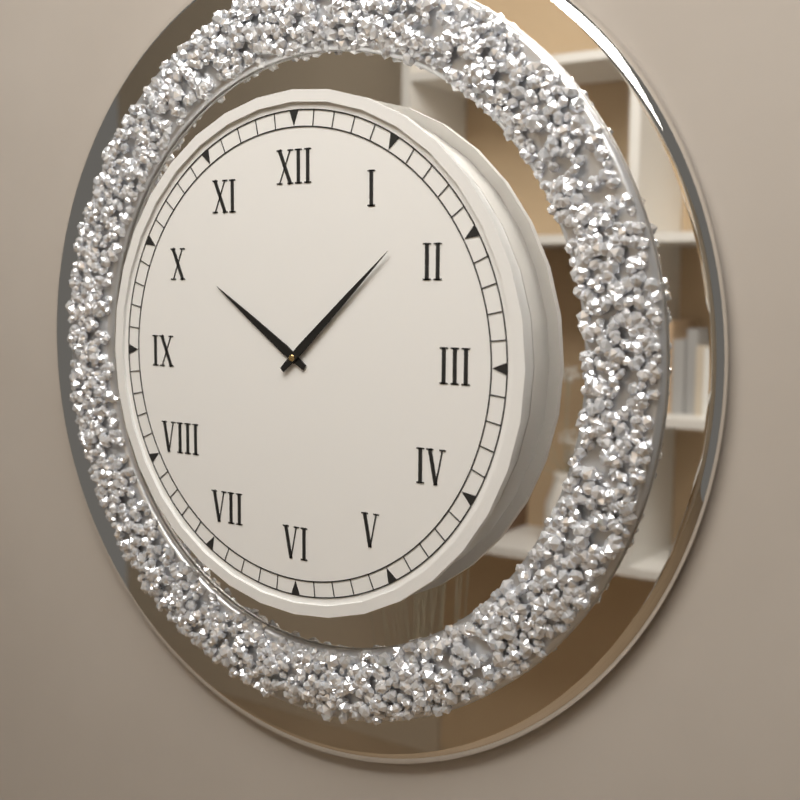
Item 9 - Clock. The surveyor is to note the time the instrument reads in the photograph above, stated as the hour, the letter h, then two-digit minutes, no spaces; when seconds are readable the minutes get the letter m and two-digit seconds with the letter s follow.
10h08
